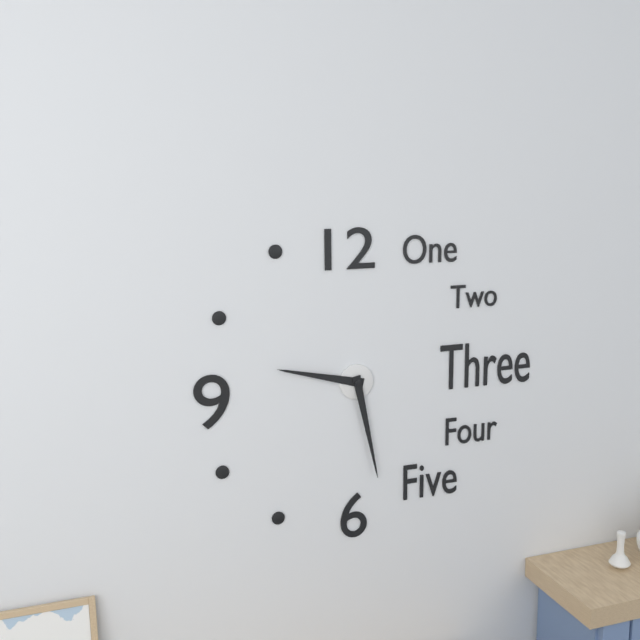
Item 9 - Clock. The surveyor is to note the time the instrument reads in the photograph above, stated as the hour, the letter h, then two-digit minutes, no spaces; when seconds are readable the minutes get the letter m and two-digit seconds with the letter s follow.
9h28
